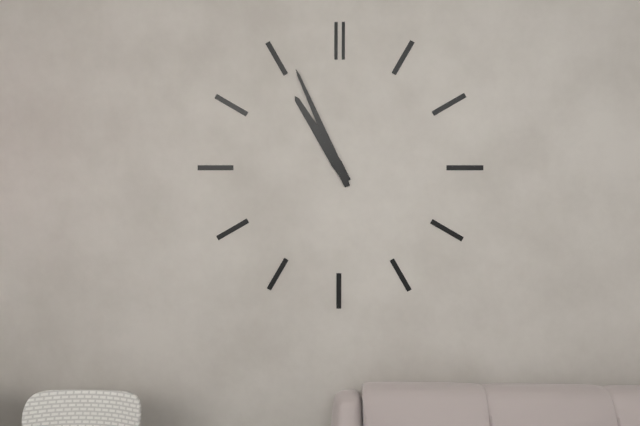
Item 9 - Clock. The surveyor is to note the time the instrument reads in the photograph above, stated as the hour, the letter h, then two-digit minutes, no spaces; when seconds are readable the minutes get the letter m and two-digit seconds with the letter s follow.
10h56
